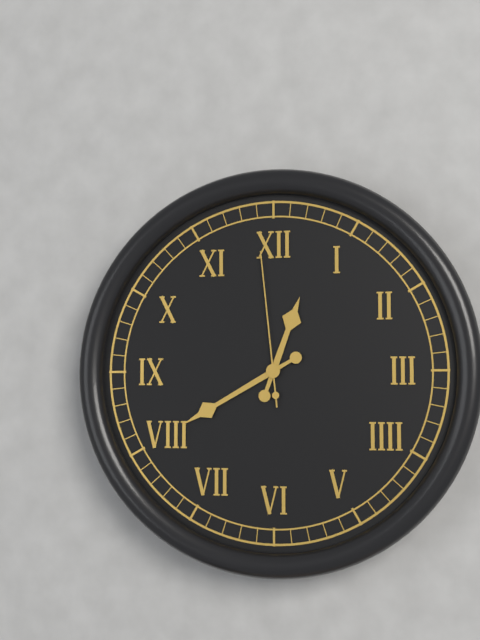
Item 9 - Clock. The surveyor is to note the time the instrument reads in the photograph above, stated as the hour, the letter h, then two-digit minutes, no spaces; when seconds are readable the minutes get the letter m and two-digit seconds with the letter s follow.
12h40m59s
